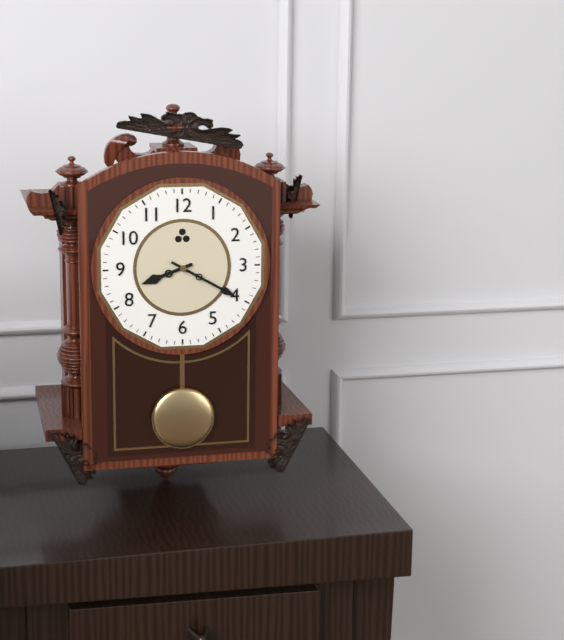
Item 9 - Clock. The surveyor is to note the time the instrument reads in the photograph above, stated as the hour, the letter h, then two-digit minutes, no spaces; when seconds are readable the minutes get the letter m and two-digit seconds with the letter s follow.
8h20
